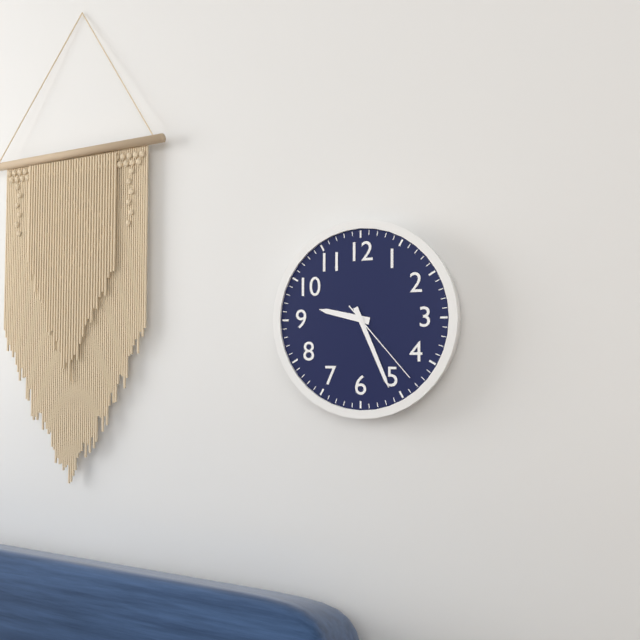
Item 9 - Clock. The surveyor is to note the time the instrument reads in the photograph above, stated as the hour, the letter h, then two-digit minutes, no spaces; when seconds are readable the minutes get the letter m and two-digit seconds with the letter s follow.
9h26m23s
